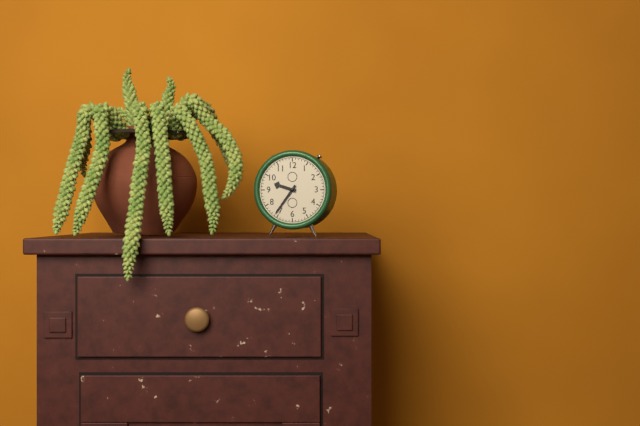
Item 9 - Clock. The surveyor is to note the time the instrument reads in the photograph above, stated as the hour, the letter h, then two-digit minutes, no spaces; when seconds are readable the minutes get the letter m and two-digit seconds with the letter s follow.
9h36
